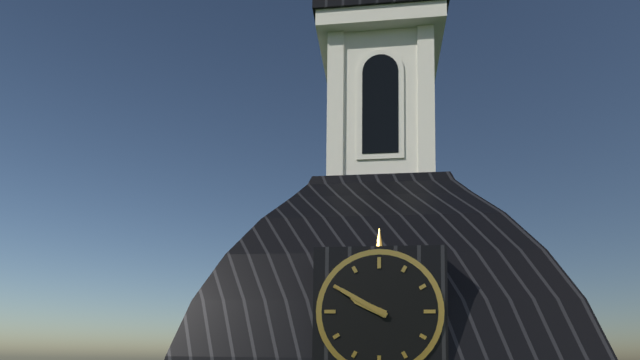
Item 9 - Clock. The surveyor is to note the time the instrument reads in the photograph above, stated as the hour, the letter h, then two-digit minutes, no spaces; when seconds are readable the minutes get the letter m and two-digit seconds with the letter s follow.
9h50
